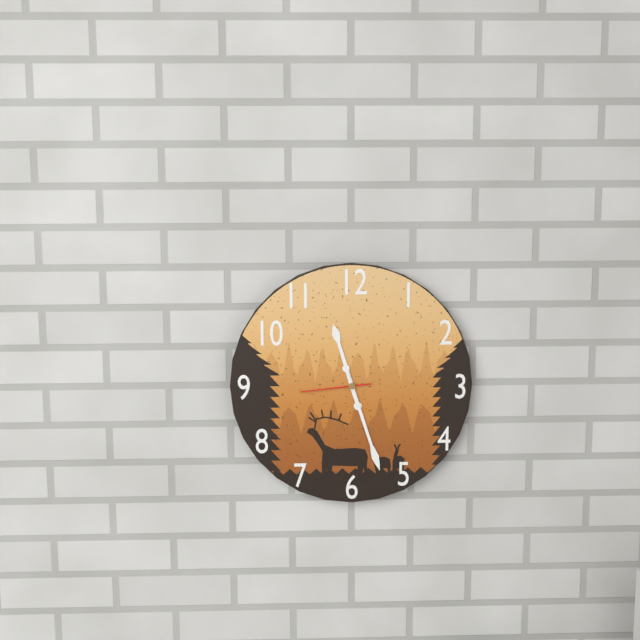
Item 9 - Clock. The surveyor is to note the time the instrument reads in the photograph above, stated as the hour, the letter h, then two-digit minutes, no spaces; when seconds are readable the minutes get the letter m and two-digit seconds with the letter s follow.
11h27m44s
